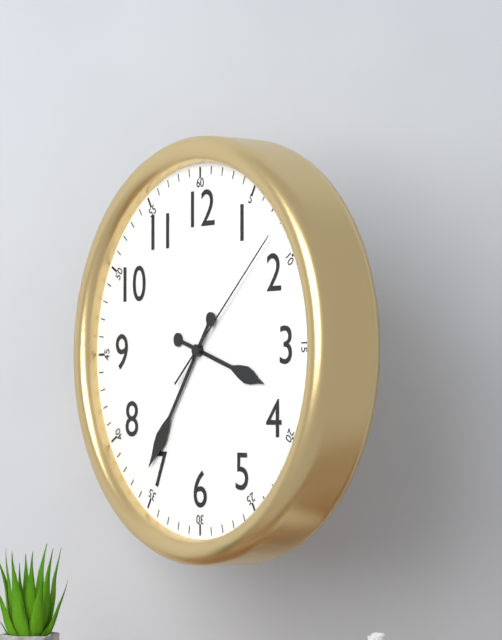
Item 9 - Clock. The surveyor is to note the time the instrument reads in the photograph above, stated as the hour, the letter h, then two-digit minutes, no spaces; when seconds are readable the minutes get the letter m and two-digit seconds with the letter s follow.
3h36m08s
